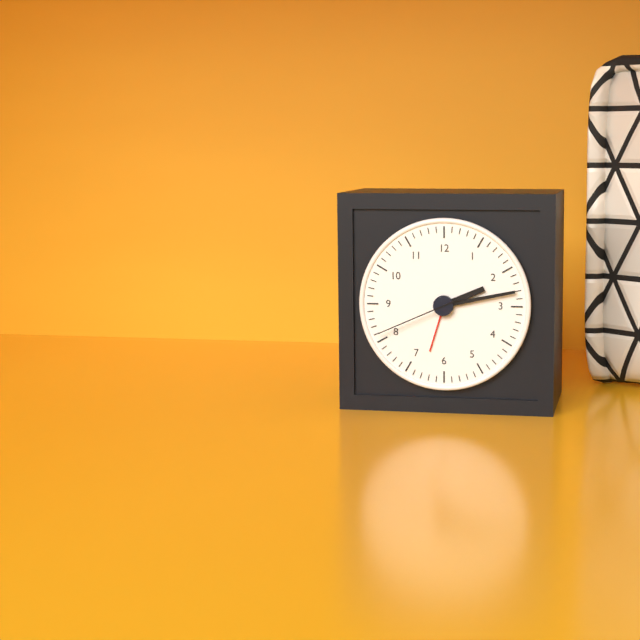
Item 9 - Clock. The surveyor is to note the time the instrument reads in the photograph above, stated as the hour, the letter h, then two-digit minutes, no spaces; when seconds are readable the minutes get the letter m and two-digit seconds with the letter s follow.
2h13m41s
